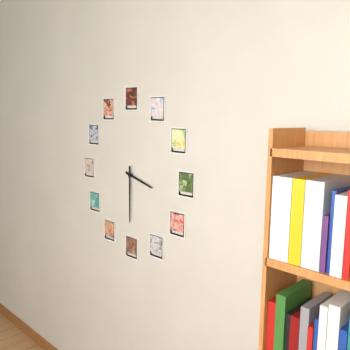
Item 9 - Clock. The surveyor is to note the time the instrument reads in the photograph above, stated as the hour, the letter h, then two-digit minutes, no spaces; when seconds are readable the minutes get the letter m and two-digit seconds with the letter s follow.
3h30
